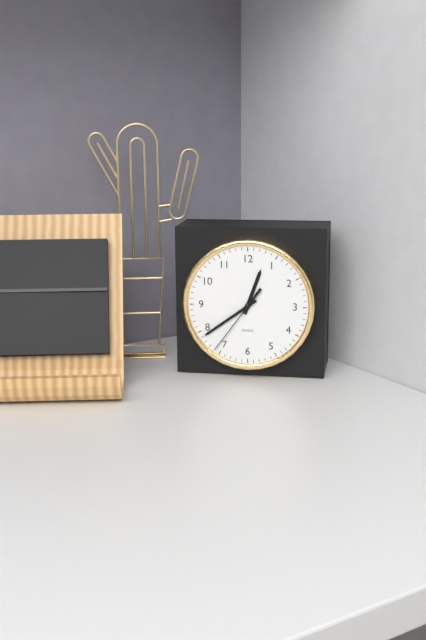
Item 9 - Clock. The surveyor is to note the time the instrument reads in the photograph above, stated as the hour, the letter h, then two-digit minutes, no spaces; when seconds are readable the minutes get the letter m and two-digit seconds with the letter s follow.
12h39m36s
